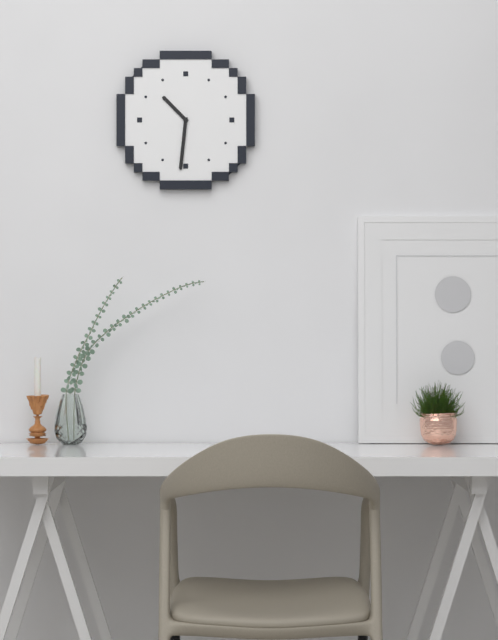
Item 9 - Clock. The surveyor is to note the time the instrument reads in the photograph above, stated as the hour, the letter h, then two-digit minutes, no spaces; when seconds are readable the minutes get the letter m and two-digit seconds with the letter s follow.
10h31
